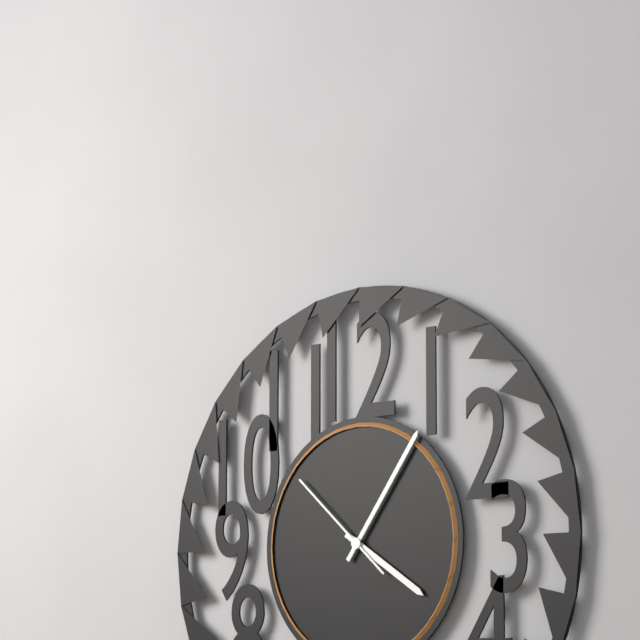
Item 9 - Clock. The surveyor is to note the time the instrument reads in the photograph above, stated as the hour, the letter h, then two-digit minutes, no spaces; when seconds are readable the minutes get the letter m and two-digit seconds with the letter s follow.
4h06m52s
